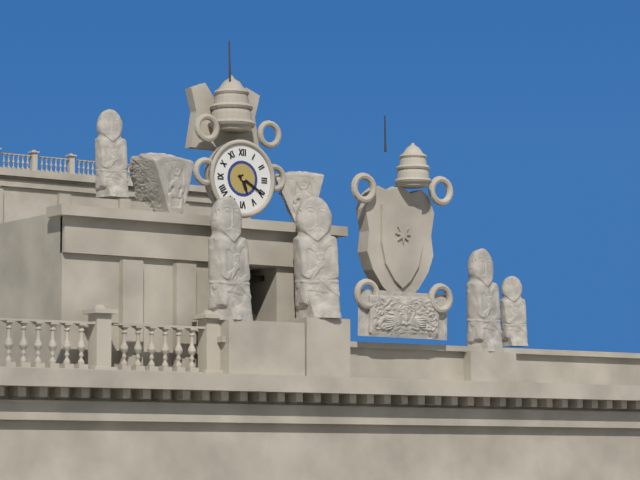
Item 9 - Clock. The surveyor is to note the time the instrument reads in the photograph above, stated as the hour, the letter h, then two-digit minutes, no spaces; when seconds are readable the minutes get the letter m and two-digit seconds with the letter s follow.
5h20
